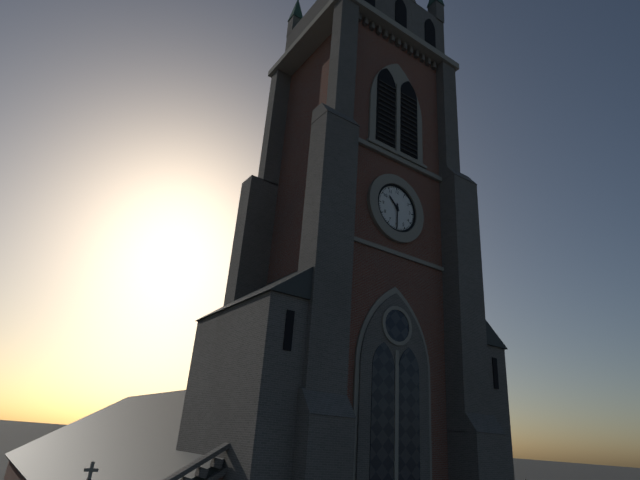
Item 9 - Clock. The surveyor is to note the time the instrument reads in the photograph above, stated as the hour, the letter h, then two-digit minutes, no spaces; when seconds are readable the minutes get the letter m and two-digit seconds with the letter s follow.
10h30
